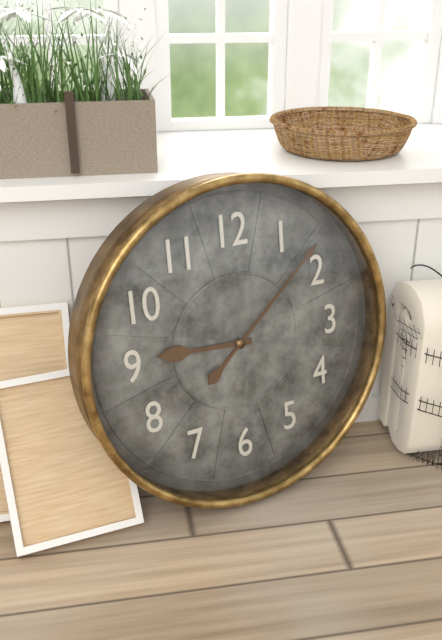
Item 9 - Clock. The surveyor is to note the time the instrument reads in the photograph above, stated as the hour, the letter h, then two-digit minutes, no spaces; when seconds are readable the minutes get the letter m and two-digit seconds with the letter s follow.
9h08
